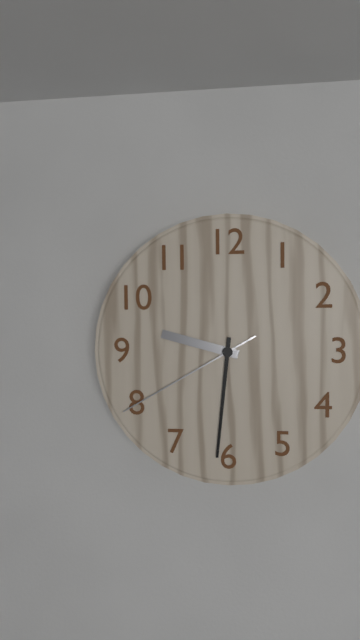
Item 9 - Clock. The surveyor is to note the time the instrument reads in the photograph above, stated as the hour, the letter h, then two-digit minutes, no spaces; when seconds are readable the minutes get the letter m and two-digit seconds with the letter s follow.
9h31m40s
